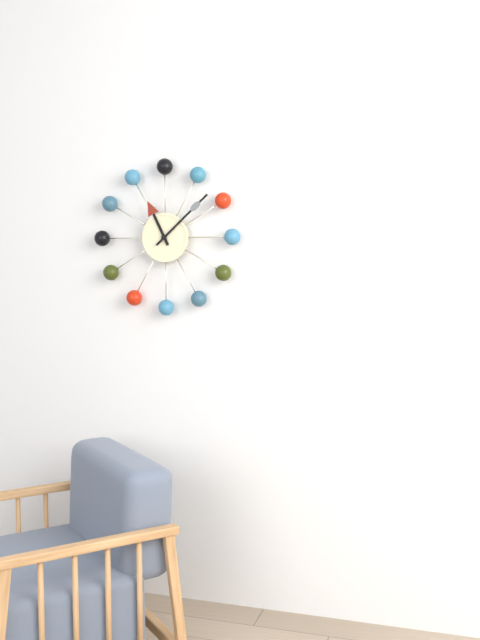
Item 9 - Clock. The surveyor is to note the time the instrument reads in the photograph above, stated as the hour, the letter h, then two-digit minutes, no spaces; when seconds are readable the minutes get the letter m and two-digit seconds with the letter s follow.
11h08
